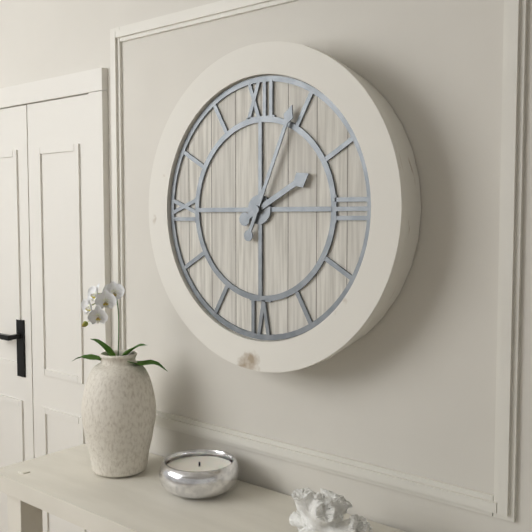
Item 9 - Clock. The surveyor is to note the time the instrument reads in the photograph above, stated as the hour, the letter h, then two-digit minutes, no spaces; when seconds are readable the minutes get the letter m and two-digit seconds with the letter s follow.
2h04
